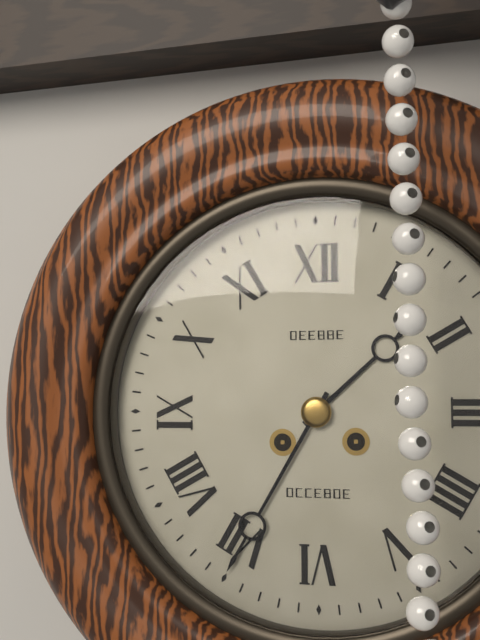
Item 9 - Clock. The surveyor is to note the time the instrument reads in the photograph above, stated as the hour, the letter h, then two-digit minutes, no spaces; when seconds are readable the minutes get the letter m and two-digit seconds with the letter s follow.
1h35
